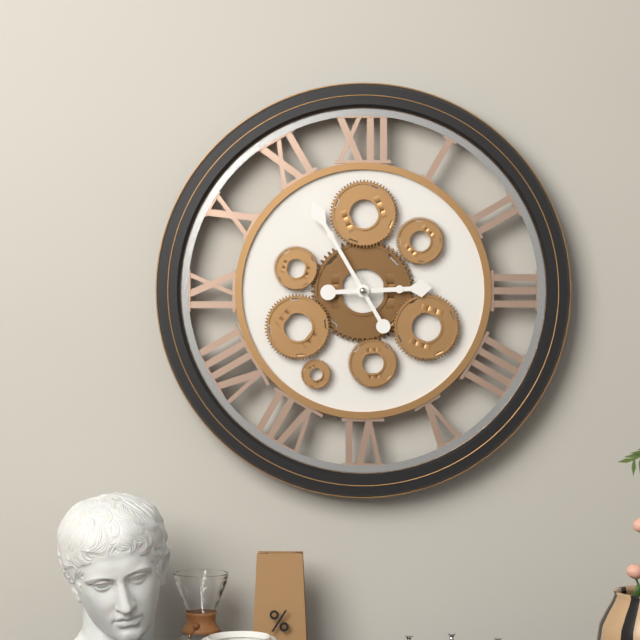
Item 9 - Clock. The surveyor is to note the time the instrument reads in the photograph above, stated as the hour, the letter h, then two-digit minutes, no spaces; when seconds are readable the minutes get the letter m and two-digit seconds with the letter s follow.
2h55
